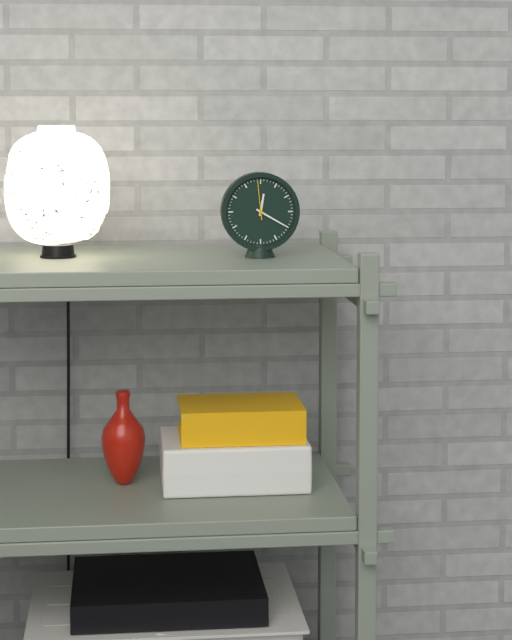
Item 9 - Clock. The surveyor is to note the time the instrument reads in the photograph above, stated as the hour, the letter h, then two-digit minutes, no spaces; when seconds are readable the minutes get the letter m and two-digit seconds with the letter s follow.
12h20
